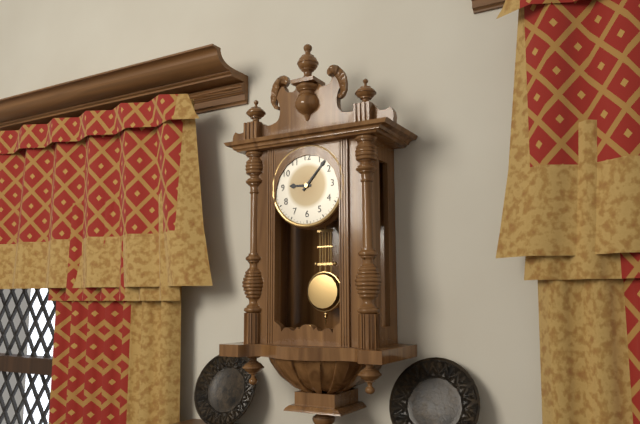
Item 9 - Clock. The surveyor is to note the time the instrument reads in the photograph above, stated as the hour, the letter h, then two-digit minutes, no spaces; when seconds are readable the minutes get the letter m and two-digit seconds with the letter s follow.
9h07
